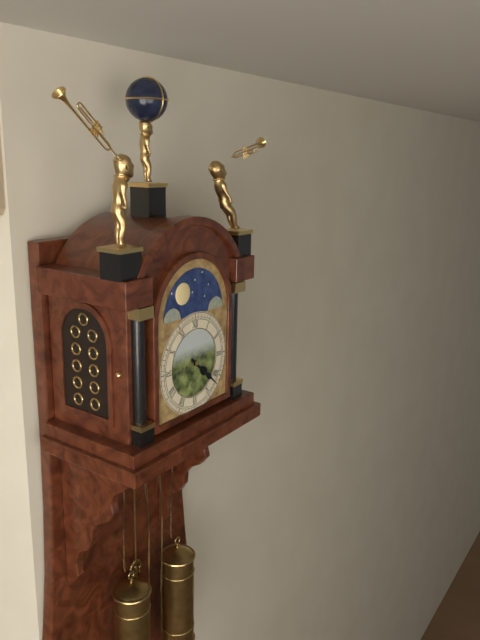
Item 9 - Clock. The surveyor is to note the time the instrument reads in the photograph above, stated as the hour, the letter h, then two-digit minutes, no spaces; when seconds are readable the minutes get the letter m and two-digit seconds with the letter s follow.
4h22
